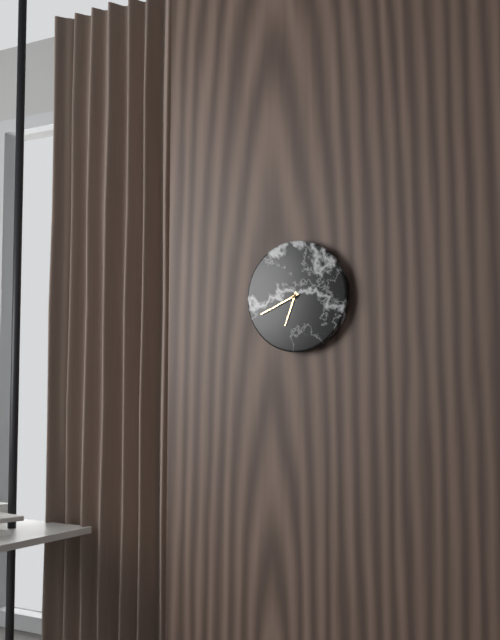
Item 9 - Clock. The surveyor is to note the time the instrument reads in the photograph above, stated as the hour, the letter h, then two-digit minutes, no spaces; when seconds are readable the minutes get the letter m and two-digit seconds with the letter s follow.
6h41
